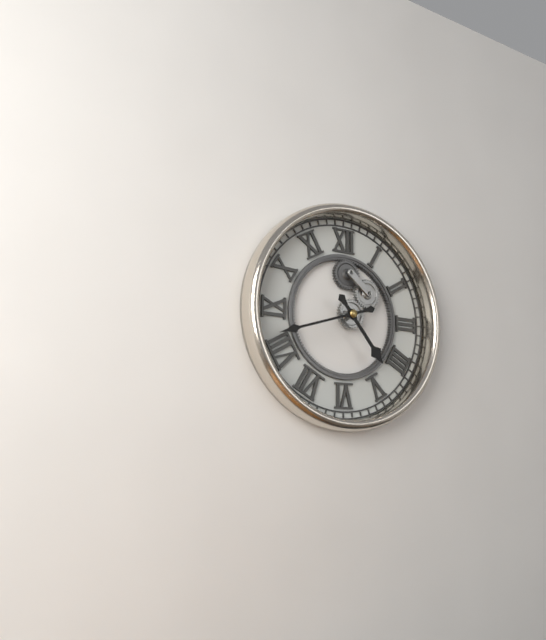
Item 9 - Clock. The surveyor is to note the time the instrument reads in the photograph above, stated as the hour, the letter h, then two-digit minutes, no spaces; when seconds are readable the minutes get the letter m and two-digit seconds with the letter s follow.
4h42
